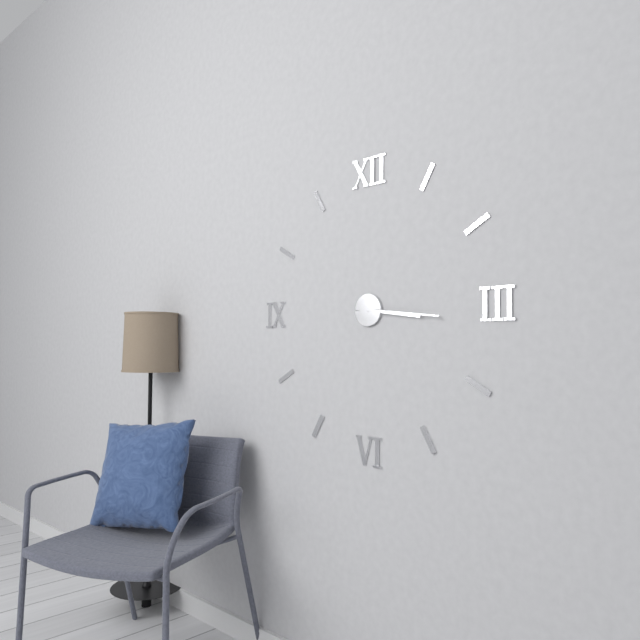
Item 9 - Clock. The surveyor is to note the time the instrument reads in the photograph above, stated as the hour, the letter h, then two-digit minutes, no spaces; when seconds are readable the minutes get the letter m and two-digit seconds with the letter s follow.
3h16
